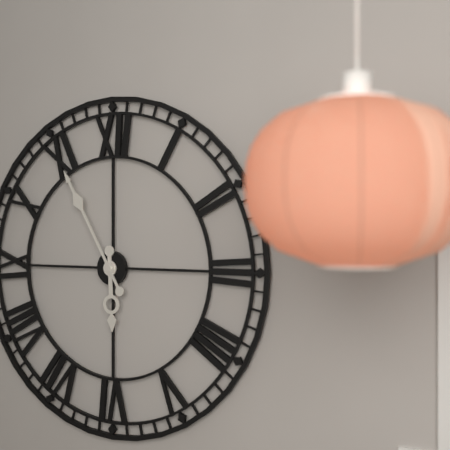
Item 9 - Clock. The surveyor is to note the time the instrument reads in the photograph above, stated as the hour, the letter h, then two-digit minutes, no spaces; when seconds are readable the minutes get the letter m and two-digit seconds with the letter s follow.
5h55
